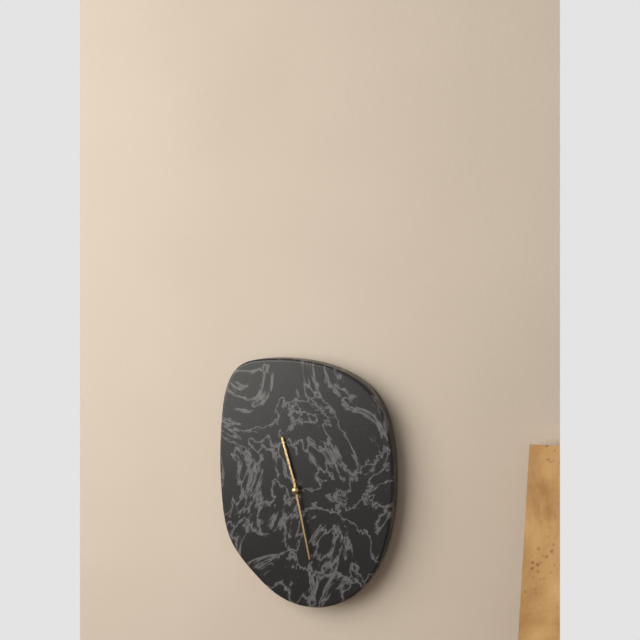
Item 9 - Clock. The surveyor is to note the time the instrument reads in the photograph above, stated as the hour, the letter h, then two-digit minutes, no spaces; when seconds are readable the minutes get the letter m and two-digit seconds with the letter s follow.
11h28
